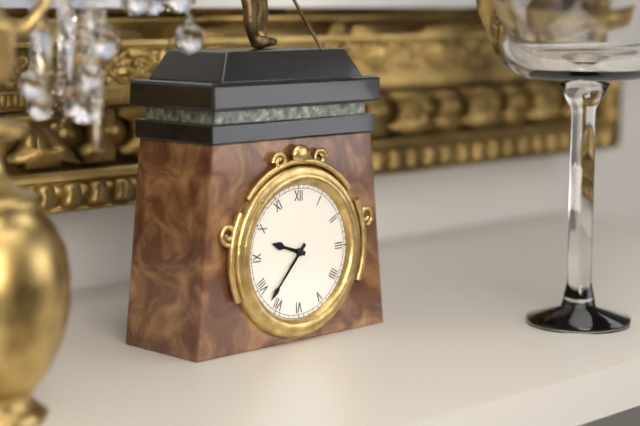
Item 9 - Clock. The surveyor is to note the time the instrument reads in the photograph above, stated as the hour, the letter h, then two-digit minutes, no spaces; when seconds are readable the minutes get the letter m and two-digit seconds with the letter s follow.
9h37
